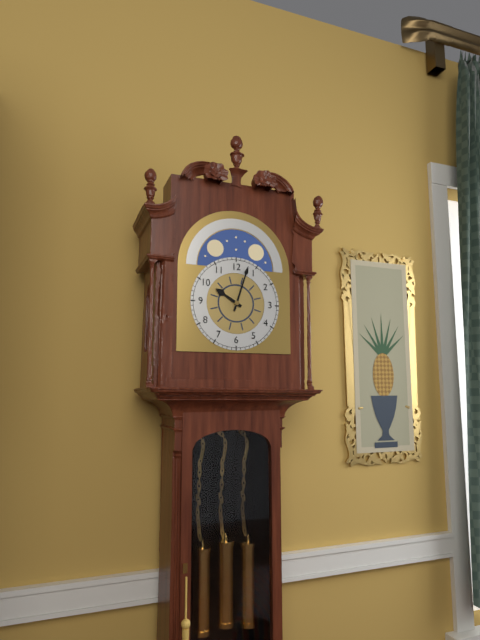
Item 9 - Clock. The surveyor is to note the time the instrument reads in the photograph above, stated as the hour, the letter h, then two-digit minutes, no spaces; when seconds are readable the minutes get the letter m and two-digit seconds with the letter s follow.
10h03
